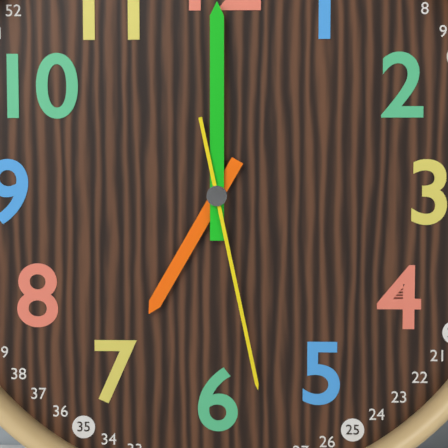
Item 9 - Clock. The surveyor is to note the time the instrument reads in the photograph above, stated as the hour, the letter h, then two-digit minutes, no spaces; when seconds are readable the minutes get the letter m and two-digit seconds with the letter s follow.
7h00m28s
